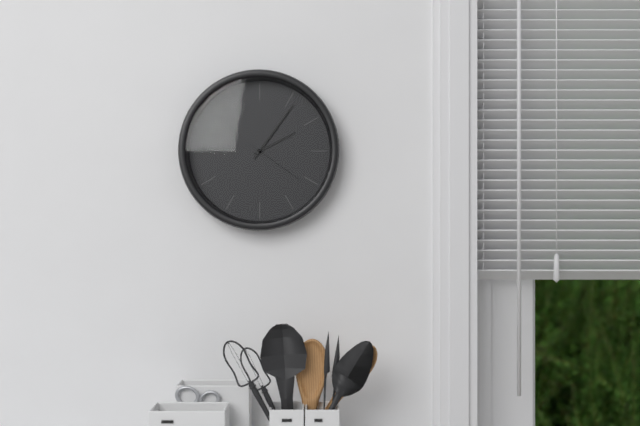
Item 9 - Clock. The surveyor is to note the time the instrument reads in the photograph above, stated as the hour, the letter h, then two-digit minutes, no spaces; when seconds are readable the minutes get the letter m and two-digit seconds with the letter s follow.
2h06m21s
